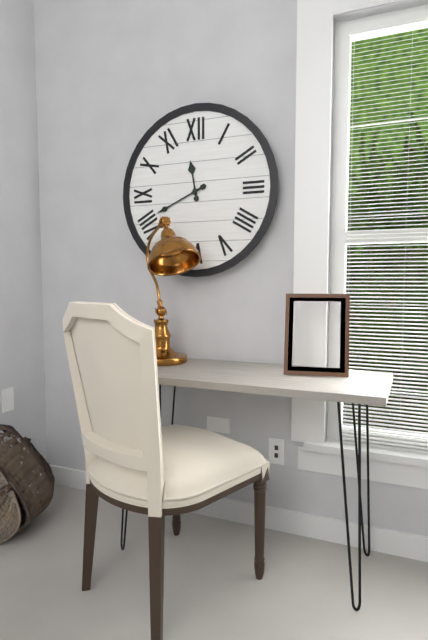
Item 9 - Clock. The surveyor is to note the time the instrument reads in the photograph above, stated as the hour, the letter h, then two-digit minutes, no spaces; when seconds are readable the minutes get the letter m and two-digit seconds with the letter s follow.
11h41
